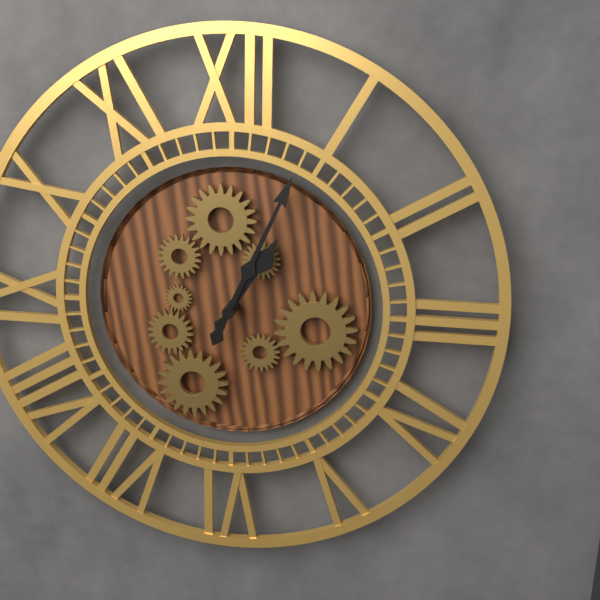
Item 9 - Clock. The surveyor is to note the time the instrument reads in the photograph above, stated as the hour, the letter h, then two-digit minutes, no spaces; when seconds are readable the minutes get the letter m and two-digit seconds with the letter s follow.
1h04
